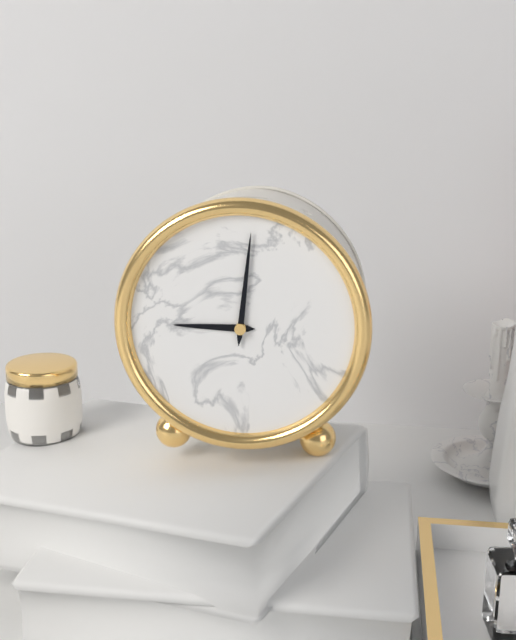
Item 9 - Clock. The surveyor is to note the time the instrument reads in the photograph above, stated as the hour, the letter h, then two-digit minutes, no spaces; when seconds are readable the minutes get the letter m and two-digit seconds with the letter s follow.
9h01
